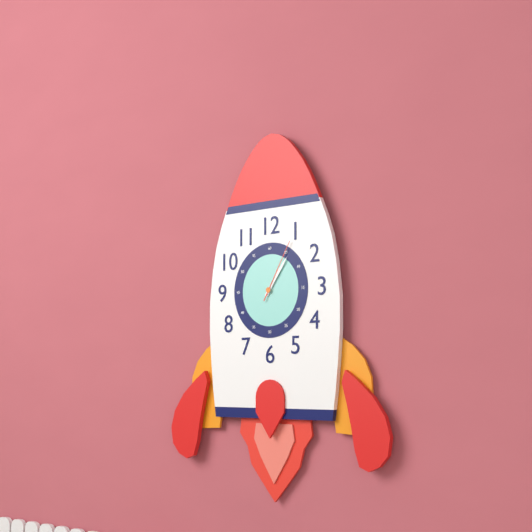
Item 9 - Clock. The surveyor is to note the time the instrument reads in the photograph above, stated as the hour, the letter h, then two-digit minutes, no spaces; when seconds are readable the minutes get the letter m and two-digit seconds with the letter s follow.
1h06m05s
